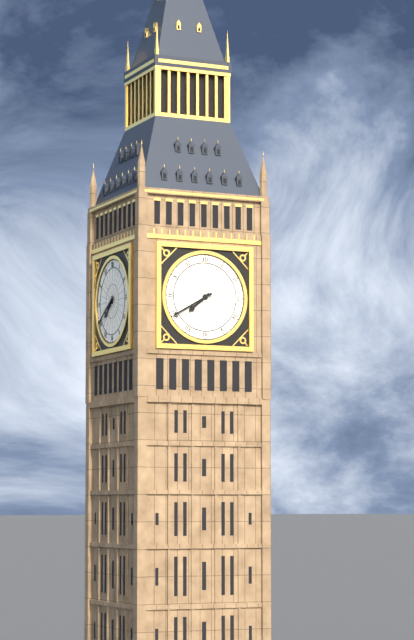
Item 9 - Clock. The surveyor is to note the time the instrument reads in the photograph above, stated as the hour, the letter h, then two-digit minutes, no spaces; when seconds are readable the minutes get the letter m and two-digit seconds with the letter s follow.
7h40
